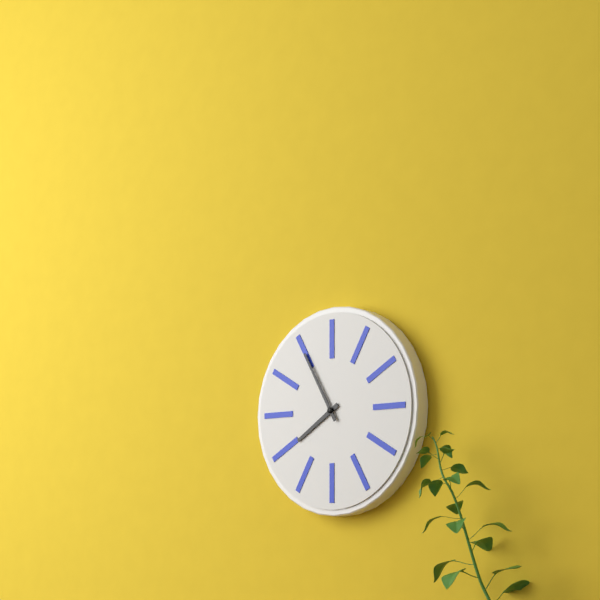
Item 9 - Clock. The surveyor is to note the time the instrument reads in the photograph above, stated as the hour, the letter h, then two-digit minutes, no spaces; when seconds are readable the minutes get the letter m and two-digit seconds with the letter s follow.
7h55
